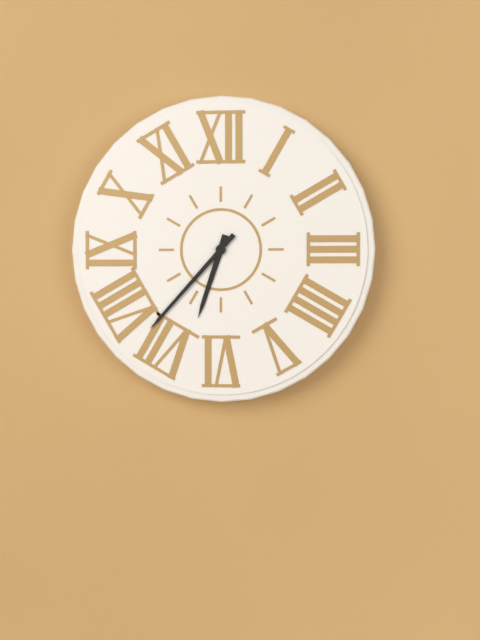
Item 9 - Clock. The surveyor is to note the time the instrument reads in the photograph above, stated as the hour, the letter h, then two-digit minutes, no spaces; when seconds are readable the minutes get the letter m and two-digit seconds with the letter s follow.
6h37
